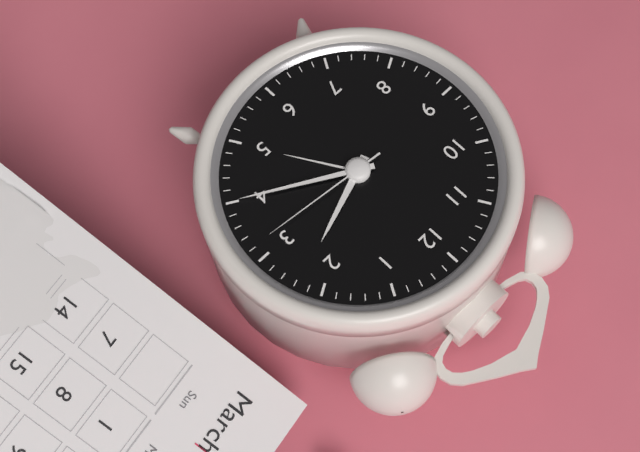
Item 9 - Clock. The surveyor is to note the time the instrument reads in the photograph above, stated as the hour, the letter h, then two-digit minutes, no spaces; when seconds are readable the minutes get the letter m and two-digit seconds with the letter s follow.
2h20m16s
